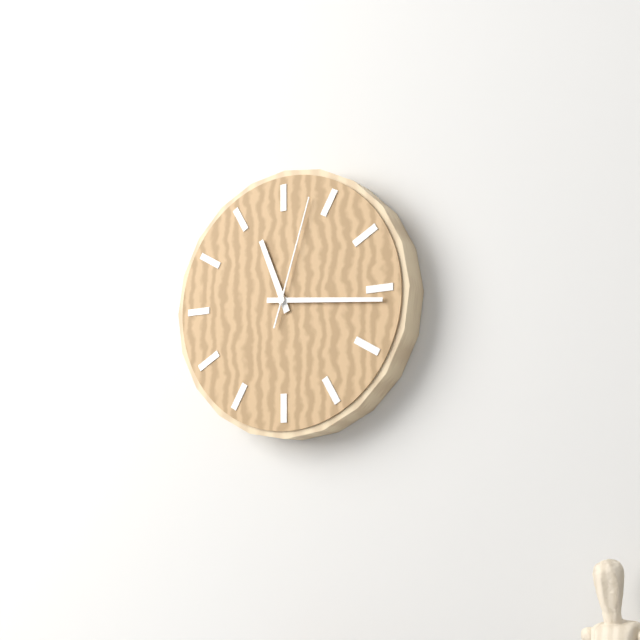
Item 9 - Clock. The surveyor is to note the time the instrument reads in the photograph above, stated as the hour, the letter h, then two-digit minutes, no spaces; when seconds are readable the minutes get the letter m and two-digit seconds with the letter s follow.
11h16m03s
